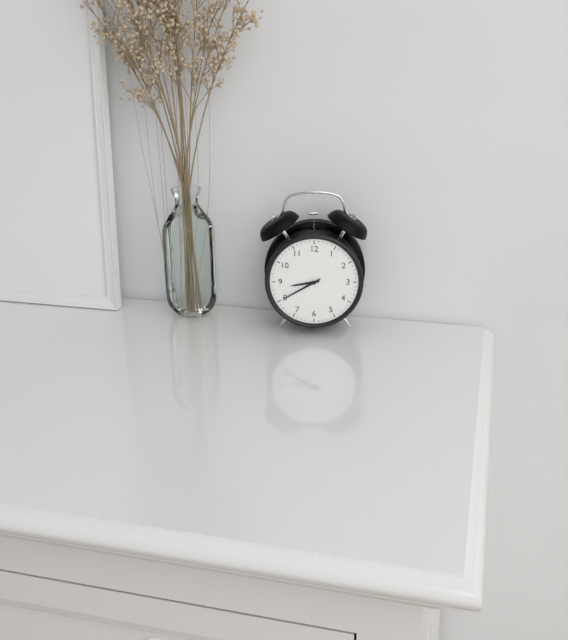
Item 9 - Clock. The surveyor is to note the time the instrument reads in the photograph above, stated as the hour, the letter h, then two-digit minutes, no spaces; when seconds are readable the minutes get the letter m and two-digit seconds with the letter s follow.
8h40
